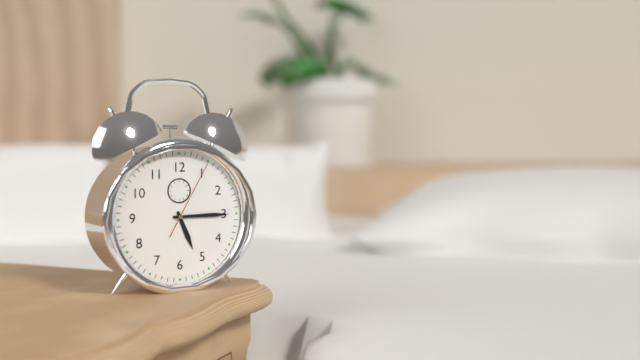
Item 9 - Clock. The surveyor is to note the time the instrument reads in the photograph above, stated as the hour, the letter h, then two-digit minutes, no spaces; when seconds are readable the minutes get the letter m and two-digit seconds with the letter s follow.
5h15m05s
